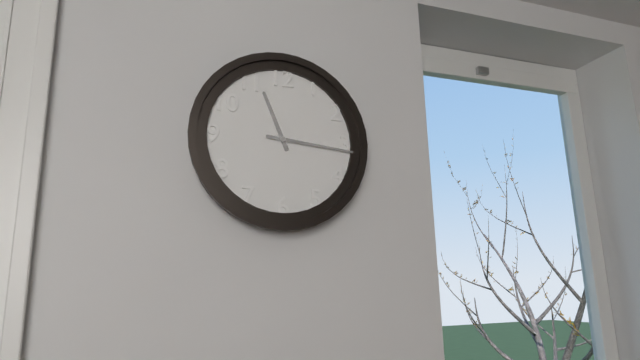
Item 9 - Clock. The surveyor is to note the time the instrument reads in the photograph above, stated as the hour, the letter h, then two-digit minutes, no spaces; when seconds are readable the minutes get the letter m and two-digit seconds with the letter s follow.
11h16
